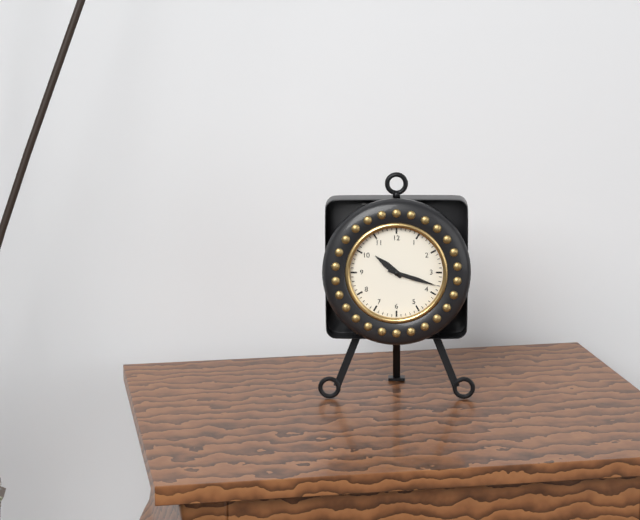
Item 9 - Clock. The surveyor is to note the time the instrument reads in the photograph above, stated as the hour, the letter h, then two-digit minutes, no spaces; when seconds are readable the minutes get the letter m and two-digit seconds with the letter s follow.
10h18
